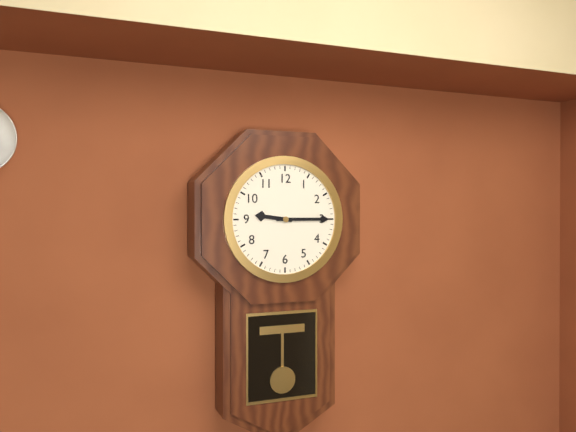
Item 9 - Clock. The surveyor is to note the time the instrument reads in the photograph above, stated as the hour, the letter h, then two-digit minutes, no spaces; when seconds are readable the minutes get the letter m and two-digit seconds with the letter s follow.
9h15
